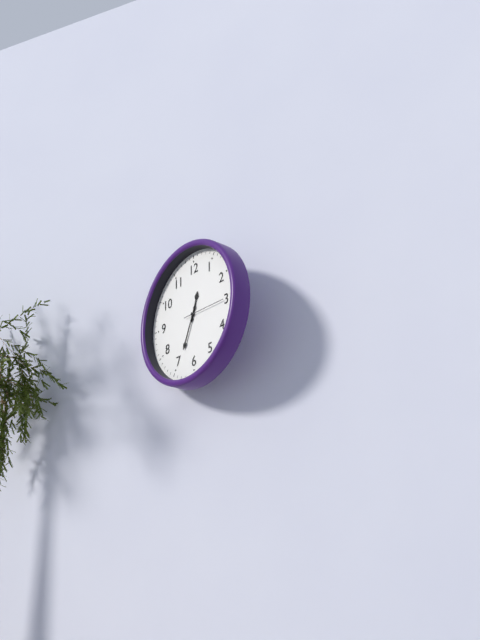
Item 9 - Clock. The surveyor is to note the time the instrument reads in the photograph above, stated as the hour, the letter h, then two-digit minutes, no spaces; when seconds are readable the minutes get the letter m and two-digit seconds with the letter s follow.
12h34
